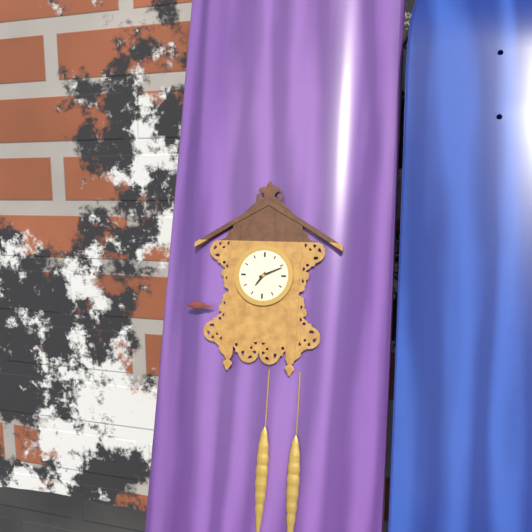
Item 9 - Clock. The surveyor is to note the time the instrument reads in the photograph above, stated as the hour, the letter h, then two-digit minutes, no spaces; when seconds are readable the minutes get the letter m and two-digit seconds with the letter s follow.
7h11
